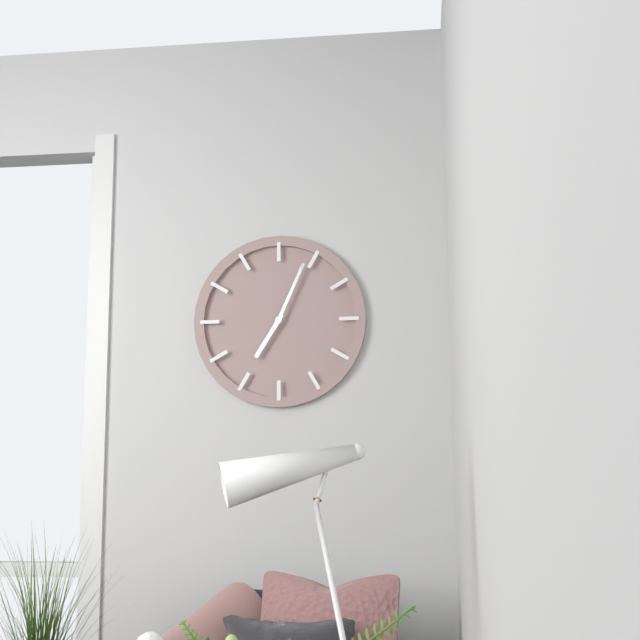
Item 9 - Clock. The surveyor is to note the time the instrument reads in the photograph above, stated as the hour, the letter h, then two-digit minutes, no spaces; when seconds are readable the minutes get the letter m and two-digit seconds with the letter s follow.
7h04
